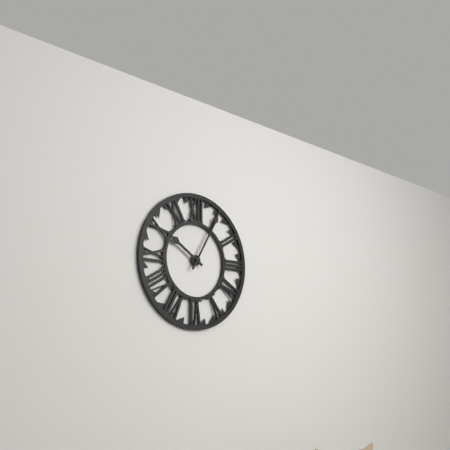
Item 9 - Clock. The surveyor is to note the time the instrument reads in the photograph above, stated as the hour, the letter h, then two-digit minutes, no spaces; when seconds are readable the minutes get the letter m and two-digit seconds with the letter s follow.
10h05
